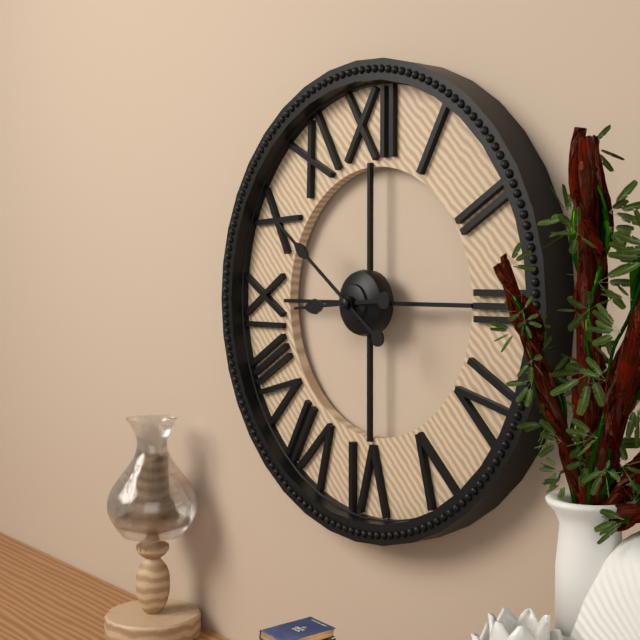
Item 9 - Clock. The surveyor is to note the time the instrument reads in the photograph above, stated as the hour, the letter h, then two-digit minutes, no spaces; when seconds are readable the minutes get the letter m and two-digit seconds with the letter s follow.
8h51
